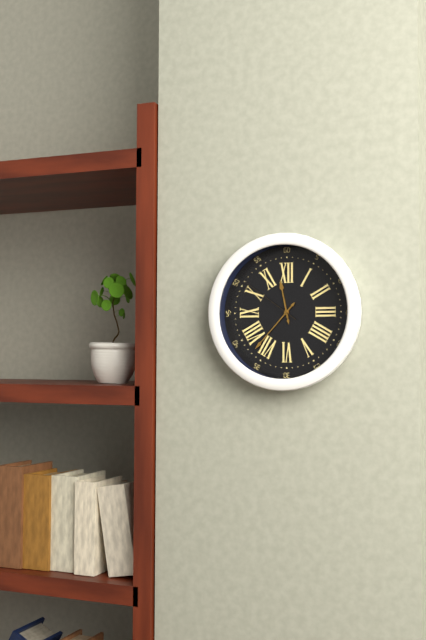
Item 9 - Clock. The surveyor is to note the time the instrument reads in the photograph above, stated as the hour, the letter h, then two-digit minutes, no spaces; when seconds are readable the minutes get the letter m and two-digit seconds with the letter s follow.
11h37m51s
